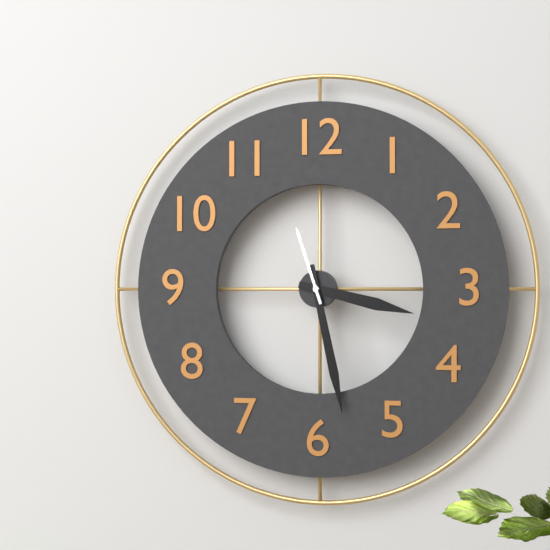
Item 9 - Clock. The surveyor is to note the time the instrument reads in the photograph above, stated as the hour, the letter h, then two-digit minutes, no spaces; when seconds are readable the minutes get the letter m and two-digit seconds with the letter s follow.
3h28m57s
